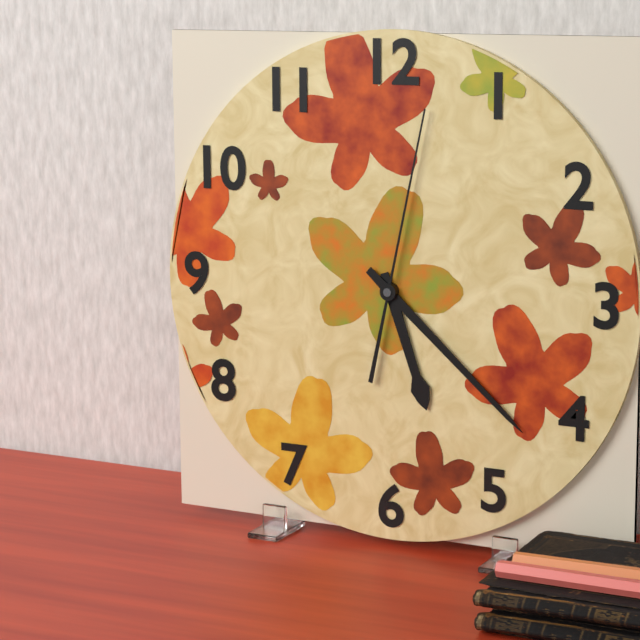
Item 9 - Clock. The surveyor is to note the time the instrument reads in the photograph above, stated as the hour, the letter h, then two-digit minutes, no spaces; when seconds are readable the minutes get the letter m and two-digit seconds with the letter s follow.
5h22m02s
